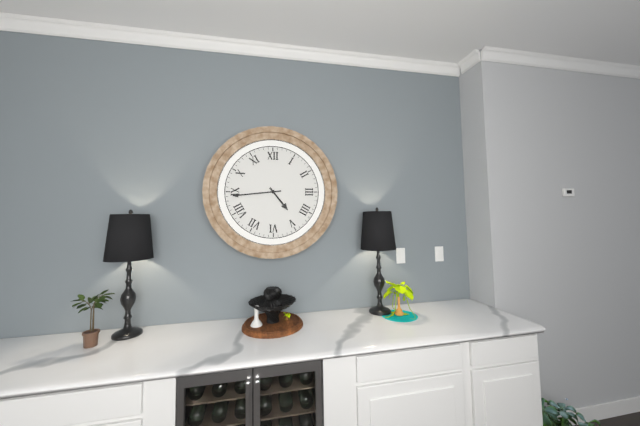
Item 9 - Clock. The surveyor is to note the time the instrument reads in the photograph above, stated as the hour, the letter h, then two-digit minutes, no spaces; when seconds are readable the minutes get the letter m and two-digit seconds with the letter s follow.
4h44
